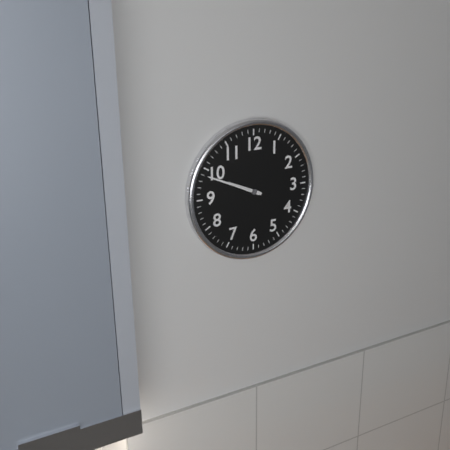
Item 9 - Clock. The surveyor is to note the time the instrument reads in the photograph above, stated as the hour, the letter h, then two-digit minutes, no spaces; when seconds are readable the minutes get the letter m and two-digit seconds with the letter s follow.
9h49
